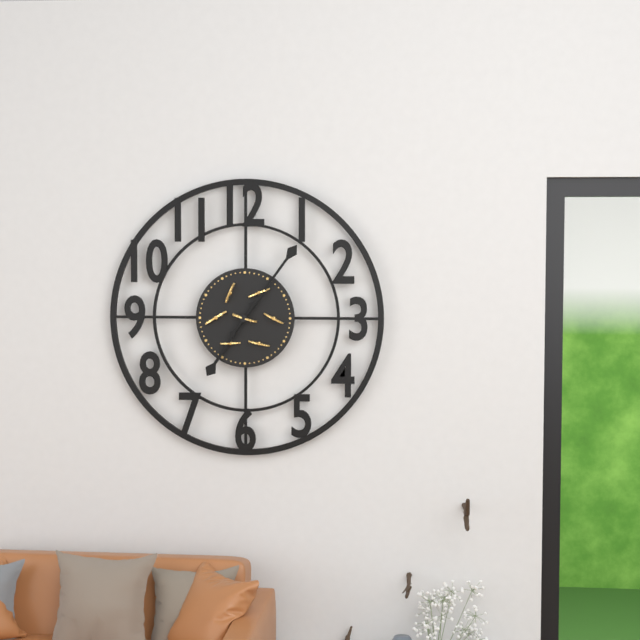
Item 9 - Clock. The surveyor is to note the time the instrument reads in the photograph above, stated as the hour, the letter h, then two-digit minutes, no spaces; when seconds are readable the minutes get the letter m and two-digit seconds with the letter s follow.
7h06
